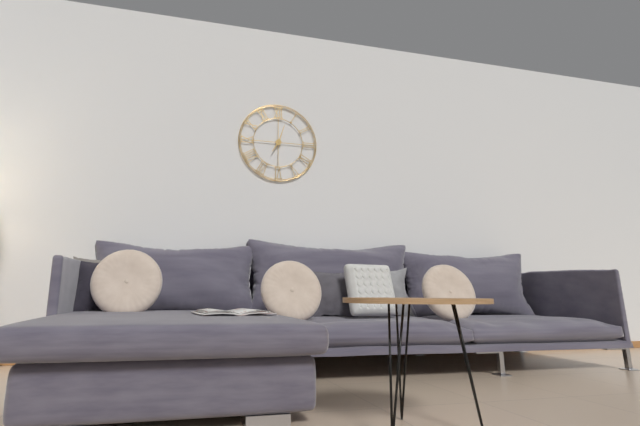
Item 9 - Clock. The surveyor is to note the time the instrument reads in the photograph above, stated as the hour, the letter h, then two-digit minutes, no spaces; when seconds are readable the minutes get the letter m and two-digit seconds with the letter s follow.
7h03
